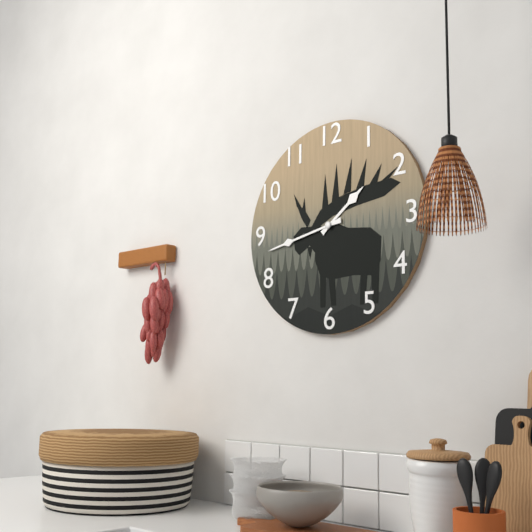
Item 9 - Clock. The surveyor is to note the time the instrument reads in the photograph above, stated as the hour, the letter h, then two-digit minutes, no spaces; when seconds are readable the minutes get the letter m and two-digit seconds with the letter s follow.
1h43
